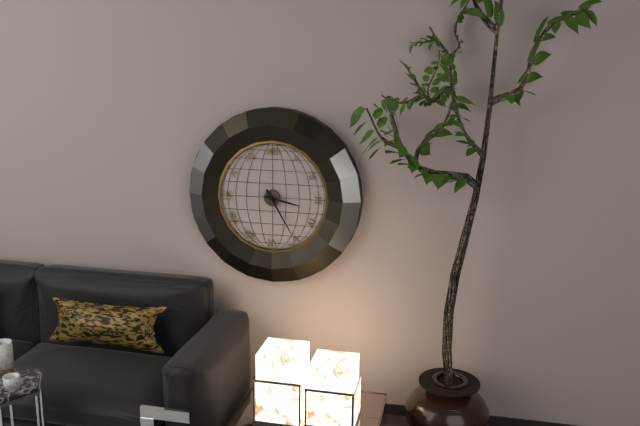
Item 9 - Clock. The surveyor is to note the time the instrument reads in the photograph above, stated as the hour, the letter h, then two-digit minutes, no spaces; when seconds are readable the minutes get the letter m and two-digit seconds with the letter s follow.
3h25
